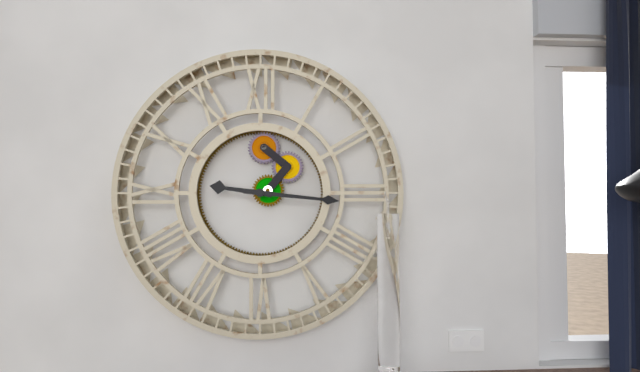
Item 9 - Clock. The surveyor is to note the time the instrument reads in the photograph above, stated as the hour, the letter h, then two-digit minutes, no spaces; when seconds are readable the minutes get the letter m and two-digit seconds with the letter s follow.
9h16
